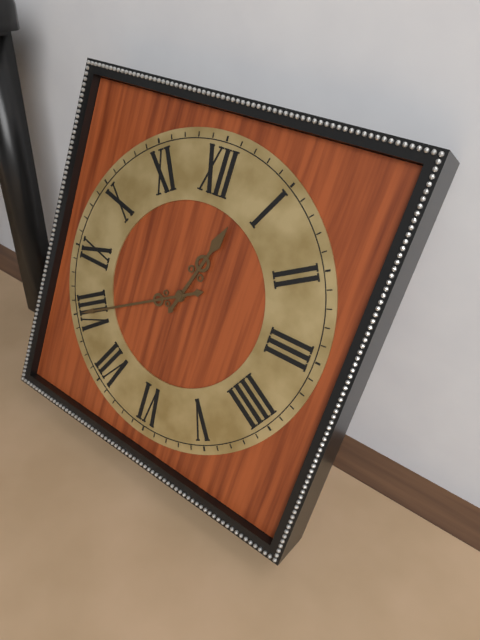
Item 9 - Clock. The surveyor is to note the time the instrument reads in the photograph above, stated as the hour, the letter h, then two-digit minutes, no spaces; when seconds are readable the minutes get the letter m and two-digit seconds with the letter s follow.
12h40
